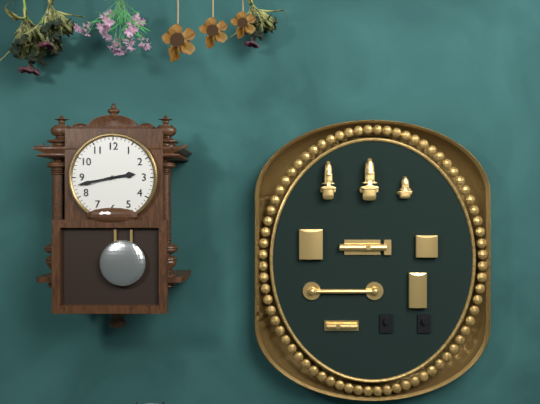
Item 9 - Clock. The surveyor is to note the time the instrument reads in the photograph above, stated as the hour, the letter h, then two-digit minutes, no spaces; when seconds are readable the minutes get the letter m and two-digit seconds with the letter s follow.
2h43
